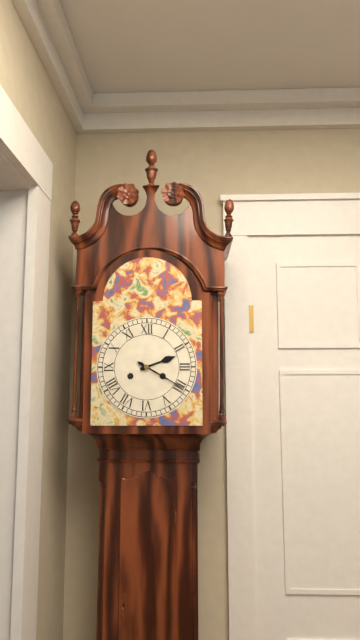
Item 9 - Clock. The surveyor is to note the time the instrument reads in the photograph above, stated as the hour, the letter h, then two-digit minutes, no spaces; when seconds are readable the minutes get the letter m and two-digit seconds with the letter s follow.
2h20
